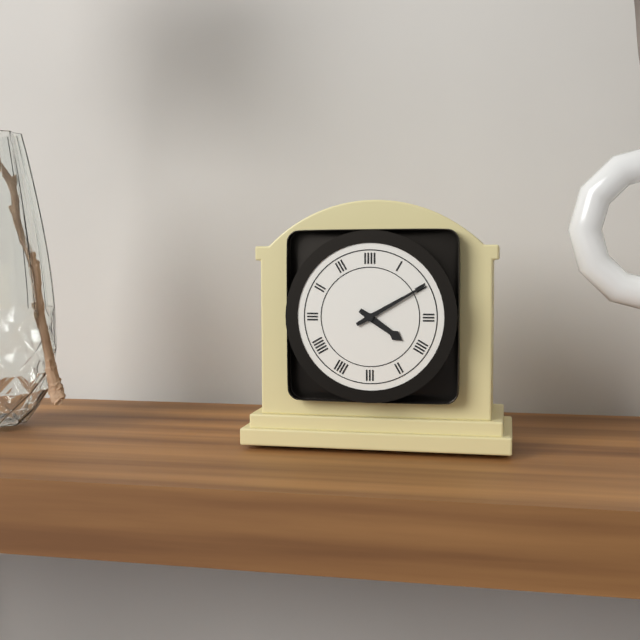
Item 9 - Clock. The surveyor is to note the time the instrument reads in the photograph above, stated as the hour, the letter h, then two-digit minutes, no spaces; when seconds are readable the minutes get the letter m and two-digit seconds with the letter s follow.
4h10
